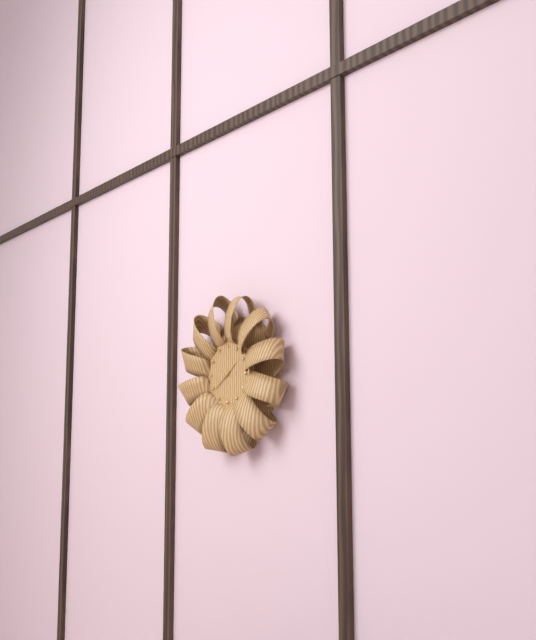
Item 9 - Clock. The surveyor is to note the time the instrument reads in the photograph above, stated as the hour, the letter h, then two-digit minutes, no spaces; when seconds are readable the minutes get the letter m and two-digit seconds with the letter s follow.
1h39
